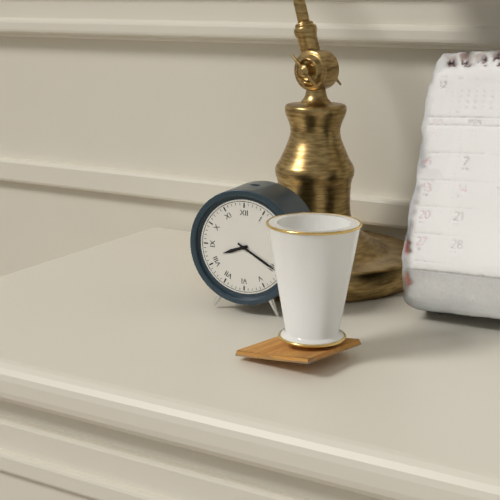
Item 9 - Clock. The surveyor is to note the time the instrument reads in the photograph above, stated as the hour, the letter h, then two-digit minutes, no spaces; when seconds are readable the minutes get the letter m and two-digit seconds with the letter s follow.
8h20
